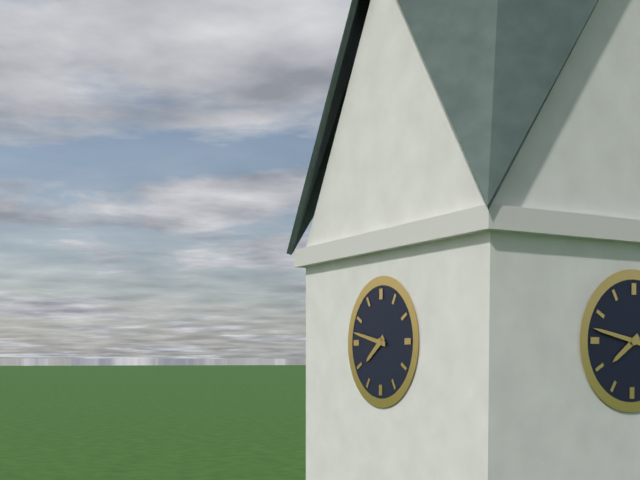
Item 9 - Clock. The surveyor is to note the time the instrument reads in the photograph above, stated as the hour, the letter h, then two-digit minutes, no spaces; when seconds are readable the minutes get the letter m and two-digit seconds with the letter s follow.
7h47
